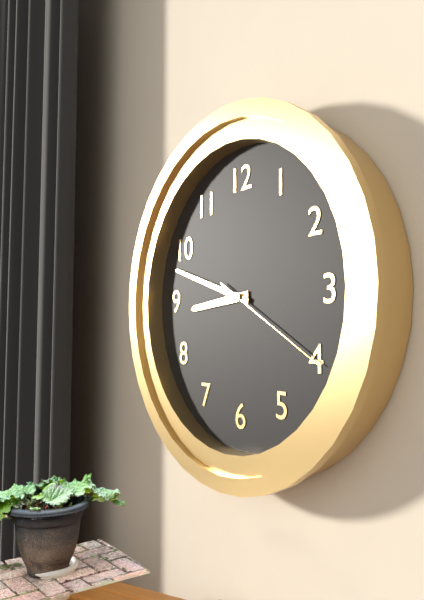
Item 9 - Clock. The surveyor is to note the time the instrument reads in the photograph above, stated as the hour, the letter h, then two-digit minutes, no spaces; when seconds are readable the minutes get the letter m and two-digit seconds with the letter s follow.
8h48m20s
